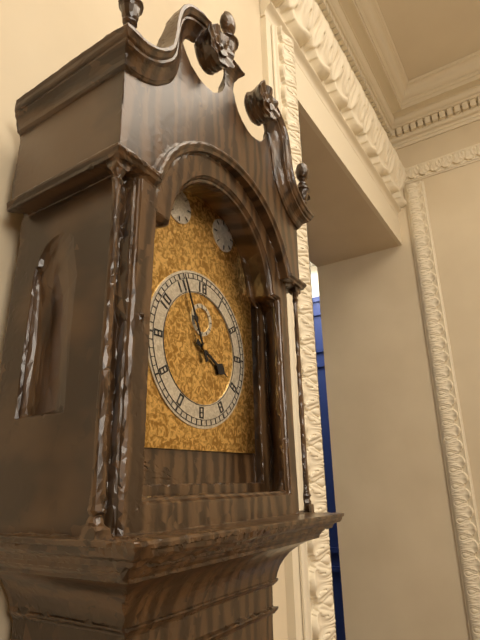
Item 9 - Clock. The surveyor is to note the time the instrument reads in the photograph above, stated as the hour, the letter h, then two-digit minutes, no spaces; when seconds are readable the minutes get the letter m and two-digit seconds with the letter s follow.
3h56
